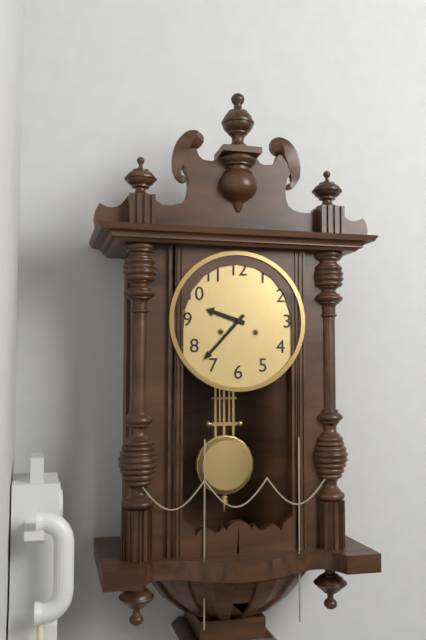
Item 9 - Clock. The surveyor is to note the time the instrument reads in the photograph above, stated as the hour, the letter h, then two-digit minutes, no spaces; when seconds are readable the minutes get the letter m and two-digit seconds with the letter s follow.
9h37
